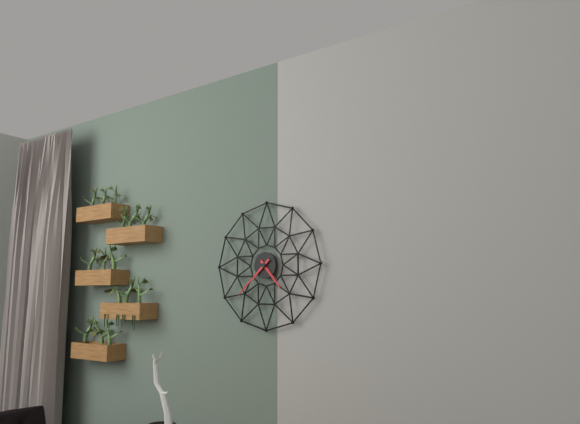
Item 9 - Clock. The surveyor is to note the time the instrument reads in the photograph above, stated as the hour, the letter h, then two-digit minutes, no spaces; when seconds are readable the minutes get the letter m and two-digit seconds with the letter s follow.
4h38
